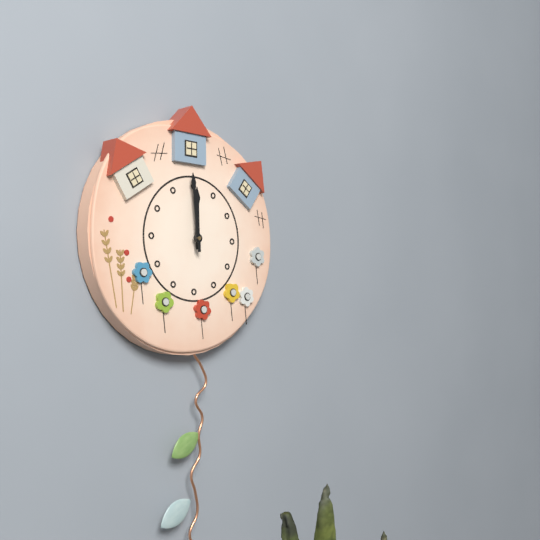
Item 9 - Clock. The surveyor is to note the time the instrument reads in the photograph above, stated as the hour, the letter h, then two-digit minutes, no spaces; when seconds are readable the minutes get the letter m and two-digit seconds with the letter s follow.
11h59
